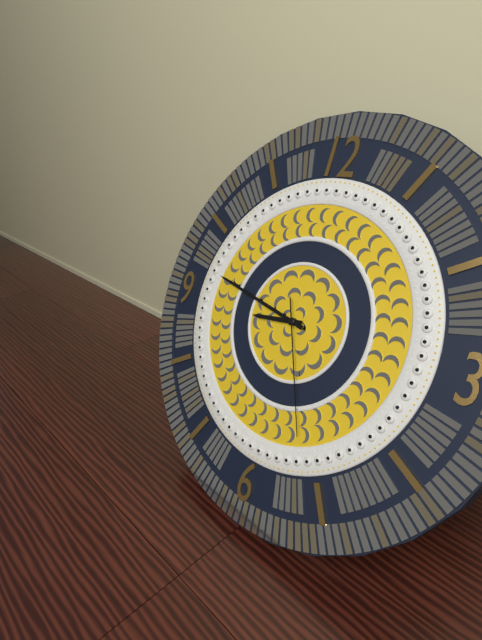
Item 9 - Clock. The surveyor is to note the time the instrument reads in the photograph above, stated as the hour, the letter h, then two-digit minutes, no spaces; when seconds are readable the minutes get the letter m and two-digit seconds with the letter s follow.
8h47m26s
